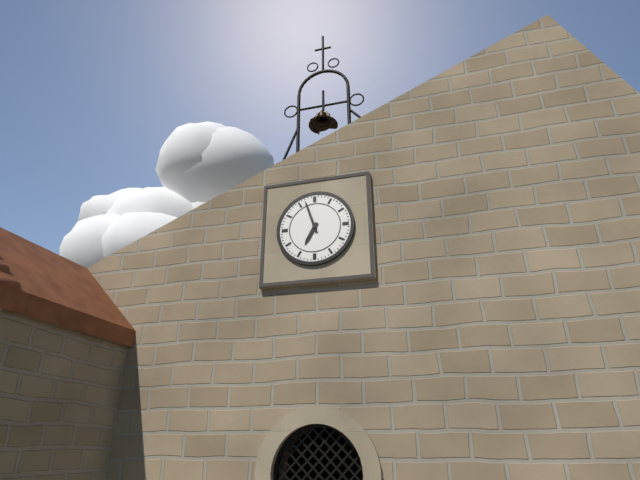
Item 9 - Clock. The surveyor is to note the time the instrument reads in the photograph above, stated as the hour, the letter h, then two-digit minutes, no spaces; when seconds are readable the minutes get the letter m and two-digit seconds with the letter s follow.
6h57
